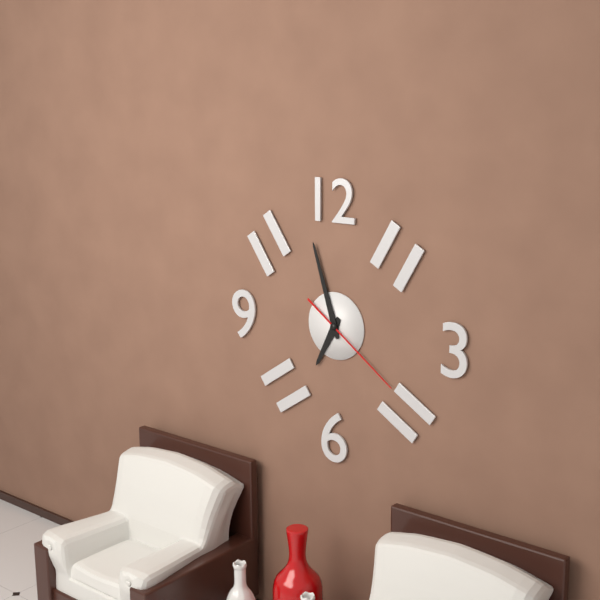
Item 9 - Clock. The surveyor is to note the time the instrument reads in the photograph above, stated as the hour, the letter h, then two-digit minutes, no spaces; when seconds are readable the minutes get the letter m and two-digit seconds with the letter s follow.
6h57m21s
